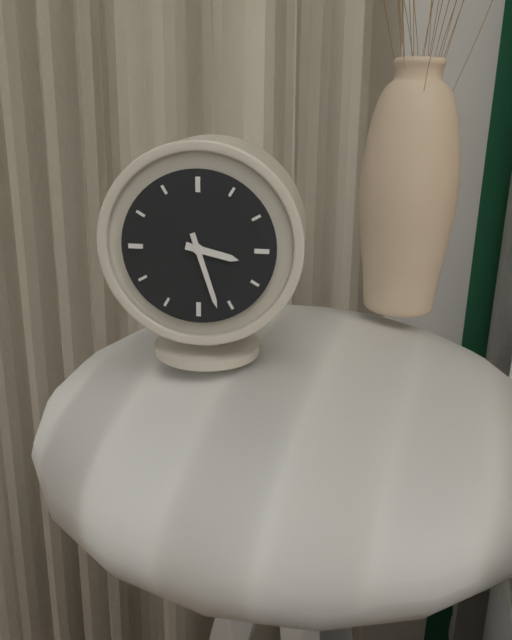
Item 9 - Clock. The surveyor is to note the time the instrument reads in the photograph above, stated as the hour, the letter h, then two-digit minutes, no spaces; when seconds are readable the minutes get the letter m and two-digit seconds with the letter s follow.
3h27
